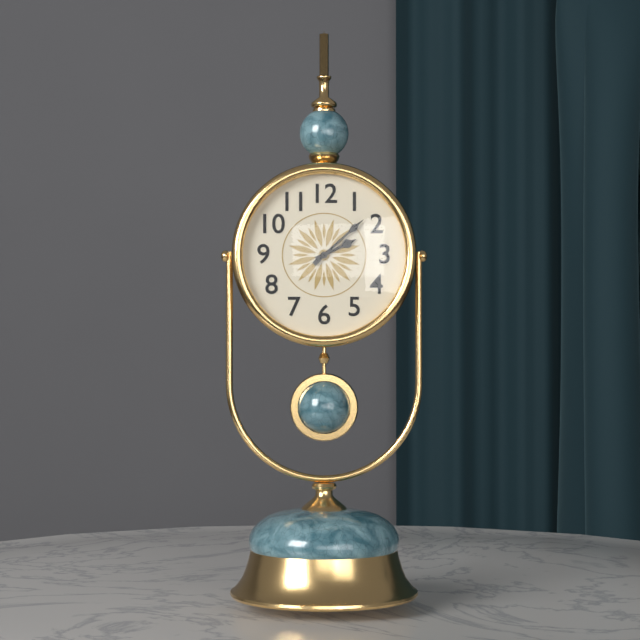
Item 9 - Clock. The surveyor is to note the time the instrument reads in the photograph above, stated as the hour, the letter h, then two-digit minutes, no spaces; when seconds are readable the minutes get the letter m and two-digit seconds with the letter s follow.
2h08
